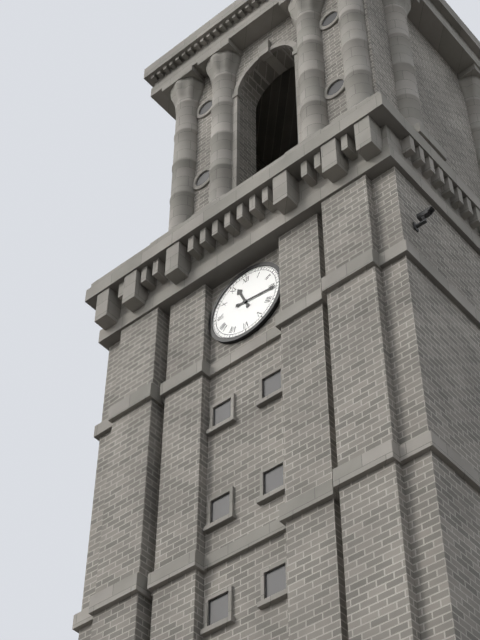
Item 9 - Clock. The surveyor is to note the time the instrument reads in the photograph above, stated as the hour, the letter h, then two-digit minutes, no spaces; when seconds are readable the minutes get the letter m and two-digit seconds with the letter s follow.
11h16
